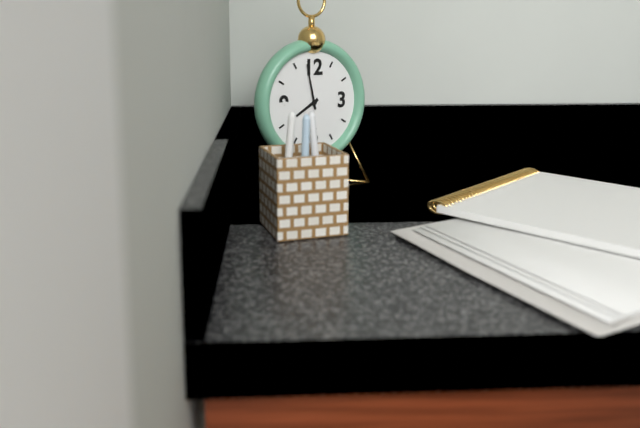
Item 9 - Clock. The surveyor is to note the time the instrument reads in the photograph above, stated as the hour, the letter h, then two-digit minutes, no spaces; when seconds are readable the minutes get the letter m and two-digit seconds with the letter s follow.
7h58
